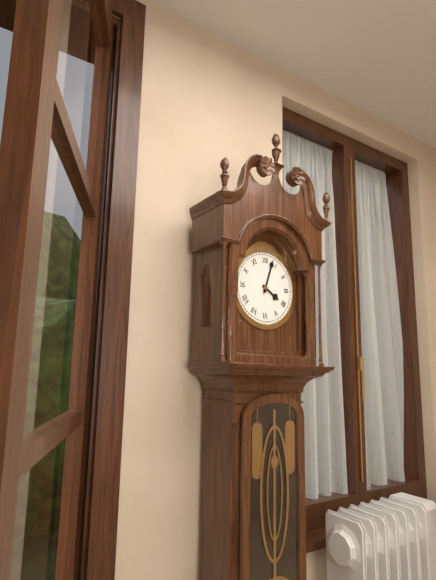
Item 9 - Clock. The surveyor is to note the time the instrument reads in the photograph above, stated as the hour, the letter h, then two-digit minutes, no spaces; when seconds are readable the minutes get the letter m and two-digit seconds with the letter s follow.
4h03
